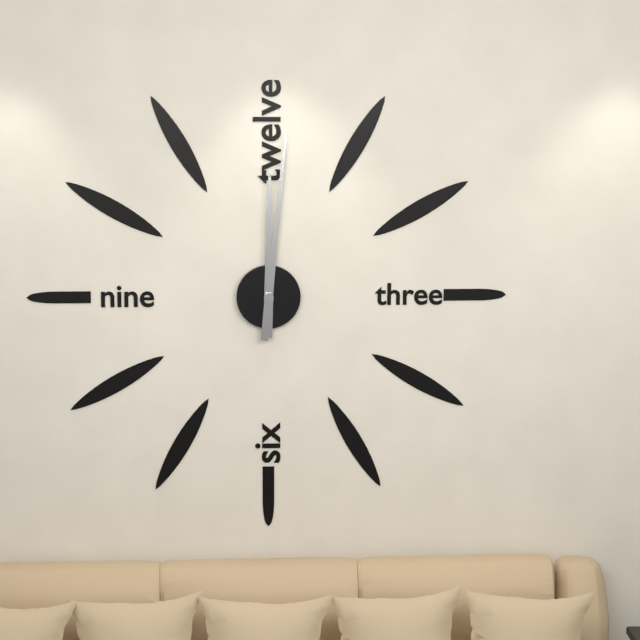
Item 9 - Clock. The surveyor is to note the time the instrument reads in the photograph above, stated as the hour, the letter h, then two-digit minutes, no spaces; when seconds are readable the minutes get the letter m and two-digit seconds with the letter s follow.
12h01
